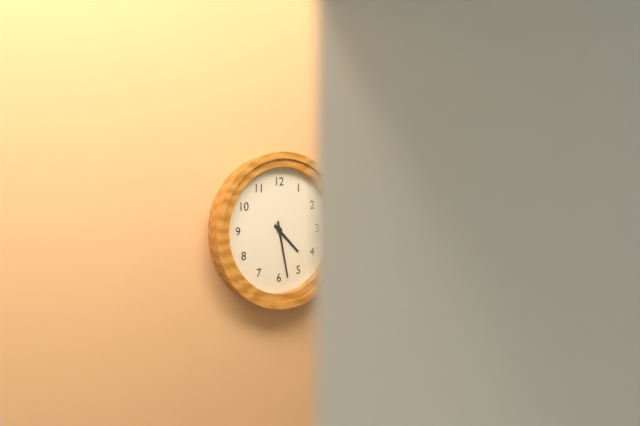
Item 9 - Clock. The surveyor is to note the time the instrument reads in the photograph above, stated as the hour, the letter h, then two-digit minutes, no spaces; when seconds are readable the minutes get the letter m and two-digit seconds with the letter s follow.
4h28
